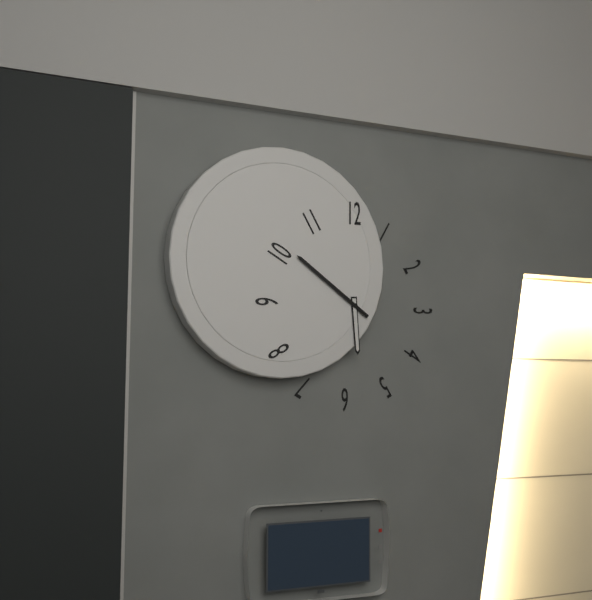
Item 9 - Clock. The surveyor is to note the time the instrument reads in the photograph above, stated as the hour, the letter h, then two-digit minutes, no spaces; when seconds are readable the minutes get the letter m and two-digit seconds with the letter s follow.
5h51
